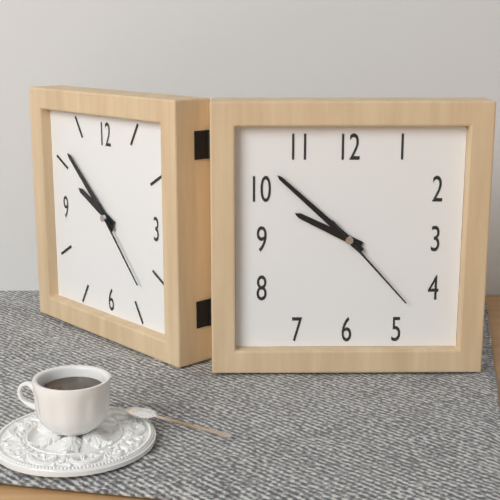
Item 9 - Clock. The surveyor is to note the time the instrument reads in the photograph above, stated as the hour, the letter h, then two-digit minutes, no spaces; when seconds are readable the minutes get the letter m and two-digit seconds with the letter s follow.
9h52m23s
